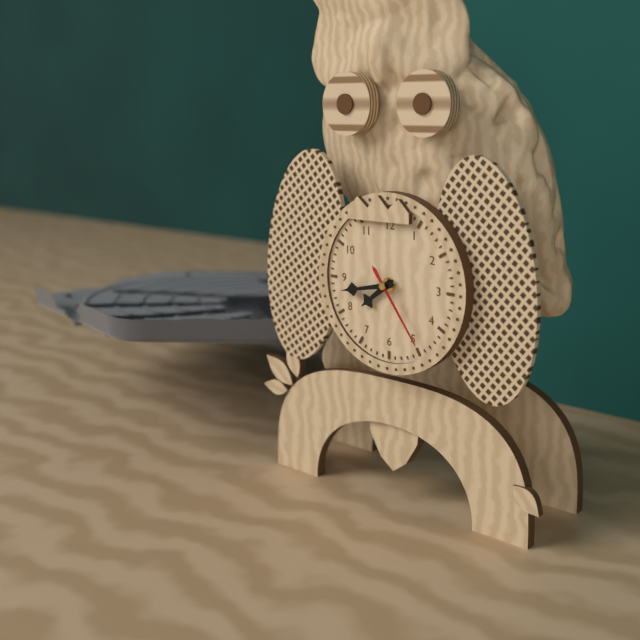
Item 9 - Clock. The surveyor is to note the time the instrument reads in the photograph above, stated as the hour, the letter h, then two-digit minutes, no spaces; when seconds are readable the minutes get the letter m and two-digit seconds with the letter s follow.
7h43m24s
